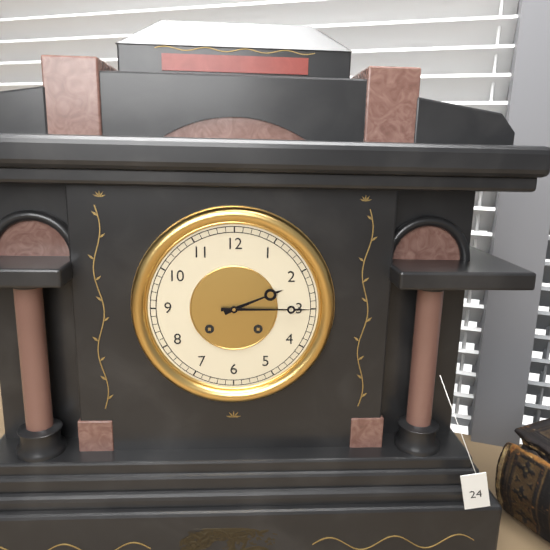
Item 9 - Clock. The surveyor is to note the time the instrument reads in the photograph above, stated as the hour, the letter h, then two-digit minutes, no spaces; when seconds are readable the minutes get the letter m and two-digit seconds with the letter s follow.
2h15
